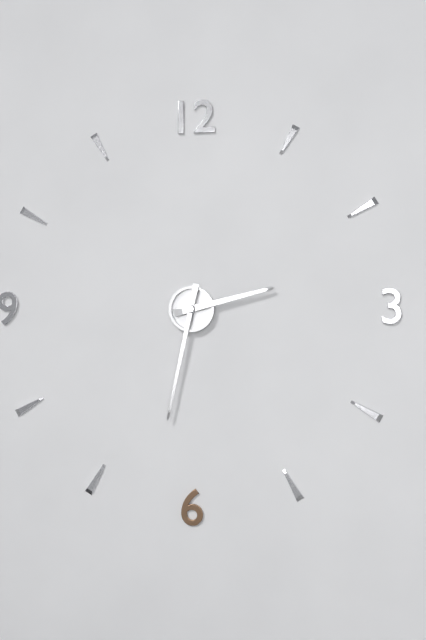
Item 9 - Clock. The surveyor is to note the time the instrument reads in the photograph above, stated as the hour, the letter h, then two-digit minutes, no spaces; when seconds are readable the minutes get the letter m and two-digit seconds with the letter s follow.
2h32
